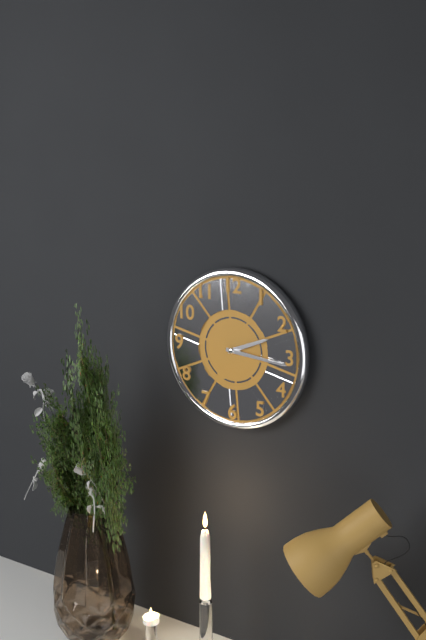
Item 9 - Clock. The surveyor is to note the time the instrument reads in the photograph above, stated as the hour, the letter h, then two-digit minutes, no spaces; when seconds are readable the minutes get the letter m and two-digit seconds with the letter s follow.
2h16
